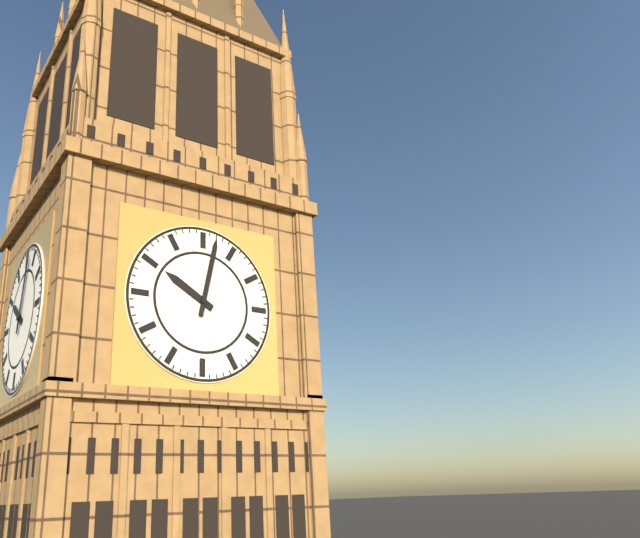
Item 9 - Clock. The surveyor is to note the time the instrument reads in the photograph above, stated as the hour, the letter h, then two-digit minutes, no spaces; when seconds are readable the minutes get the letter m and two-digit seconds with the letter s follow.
10h02
